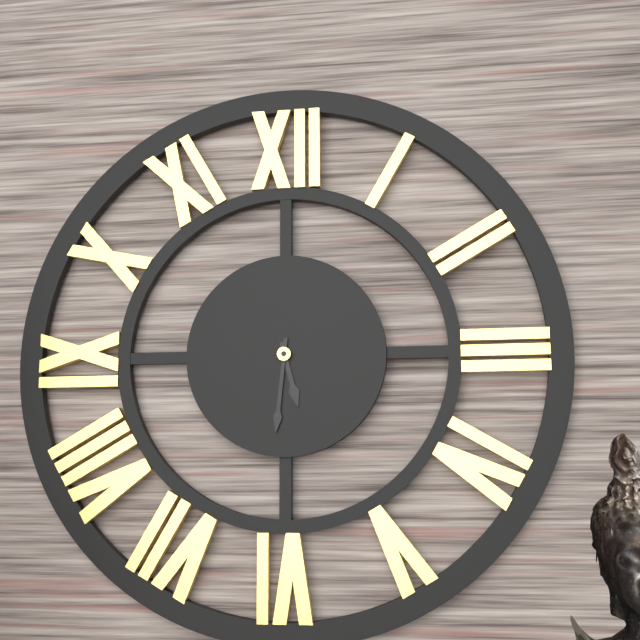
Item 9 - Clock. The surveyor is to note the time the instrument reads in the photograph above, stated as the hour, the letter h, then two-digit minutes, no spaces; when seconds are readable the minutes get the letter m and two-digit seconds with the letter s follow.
5h31
